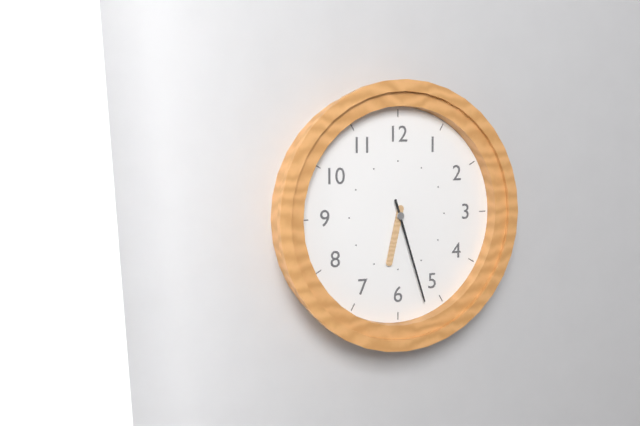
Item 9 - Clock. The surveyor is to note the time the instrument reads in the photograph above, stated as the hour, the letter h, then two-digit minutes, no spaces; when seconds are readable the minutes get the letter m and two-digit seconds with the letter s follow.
6h27
